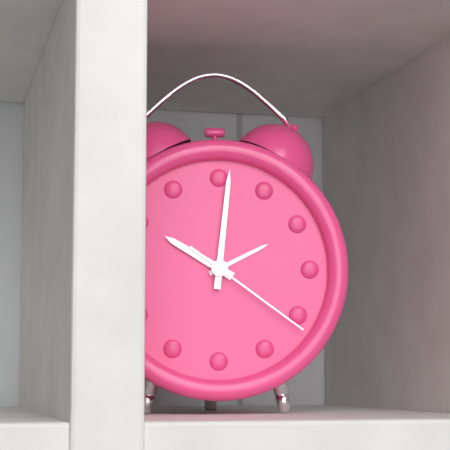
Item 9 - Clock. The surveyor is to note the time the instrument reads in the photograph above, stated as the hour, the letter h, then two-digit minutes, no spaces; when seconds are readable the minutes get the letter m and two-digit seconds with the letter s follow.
10h01m21s
